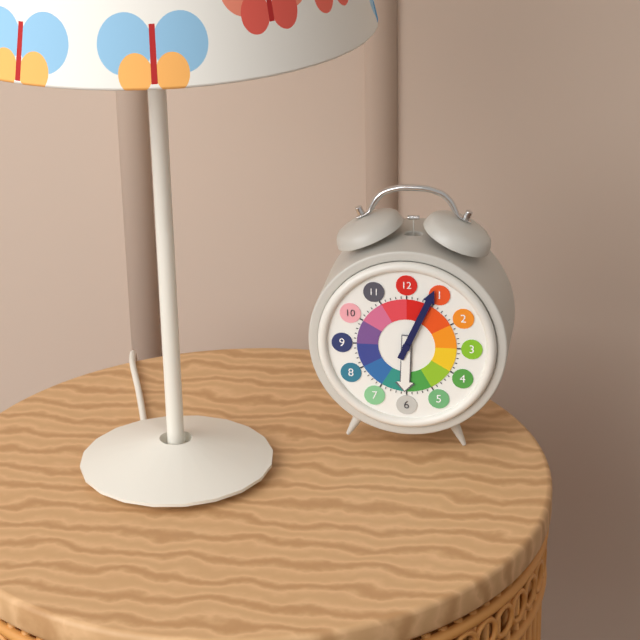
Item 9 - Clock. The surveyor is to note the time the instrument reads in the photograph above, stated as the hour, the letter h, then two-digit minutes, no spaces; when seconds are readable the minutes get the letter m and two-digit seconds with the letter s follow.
6h04
